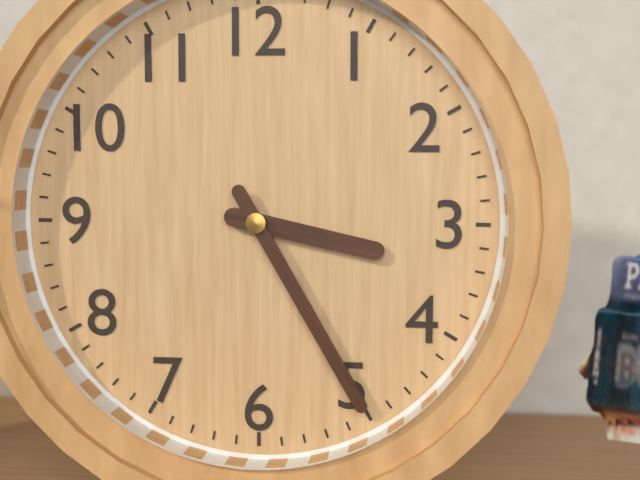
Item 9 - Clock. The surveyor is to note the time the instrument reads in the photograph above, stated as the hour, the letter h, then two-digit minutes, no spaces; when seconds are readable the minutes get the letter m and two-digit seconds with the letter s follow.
3h25
